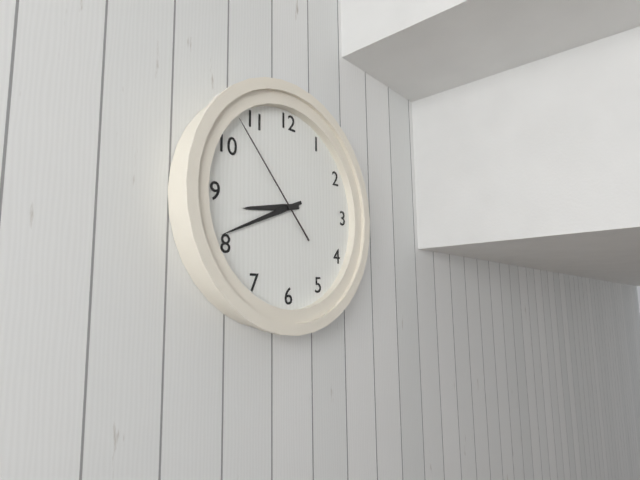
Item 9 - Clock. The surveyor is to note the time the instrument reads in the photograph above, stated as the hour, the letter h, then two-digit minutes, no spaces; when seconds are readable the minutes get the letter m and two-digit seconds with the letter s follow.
8h41m53s
